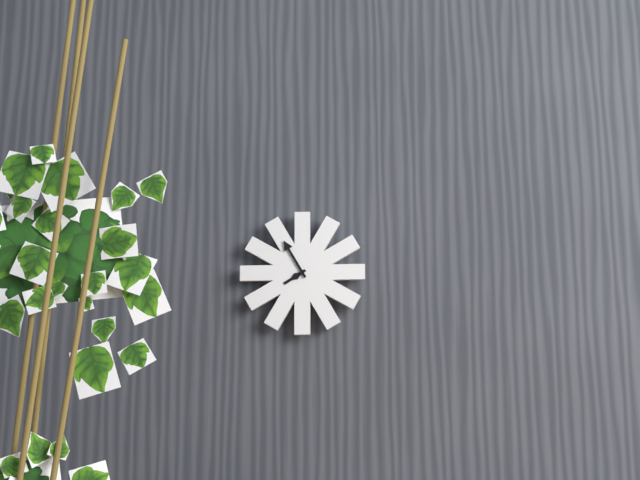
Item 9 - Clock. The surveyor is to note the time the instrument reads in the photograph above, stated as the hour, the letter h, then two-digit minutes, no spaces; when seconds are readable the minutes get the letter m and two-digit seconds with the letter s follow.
7h55
